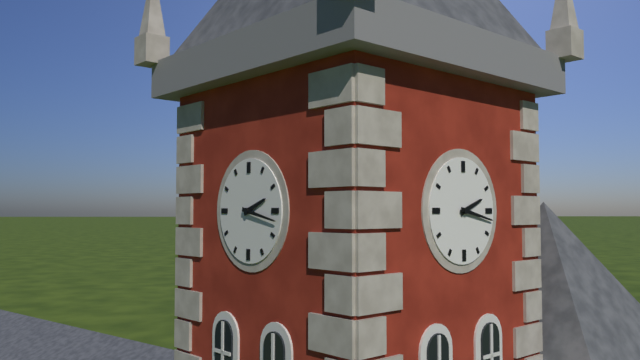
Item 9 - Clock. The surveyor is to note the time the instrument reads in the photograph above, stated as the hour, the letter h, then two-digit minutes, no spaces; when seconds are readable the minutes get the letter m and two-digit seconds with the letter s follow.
2h17
